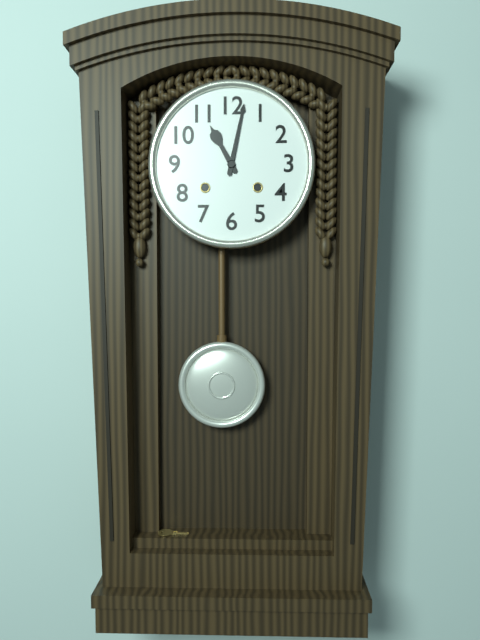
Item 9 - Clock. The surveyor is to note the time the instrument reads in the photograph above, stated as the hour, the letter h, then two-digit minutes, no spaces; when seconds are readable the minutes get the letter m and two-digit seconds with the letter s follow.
11h02
